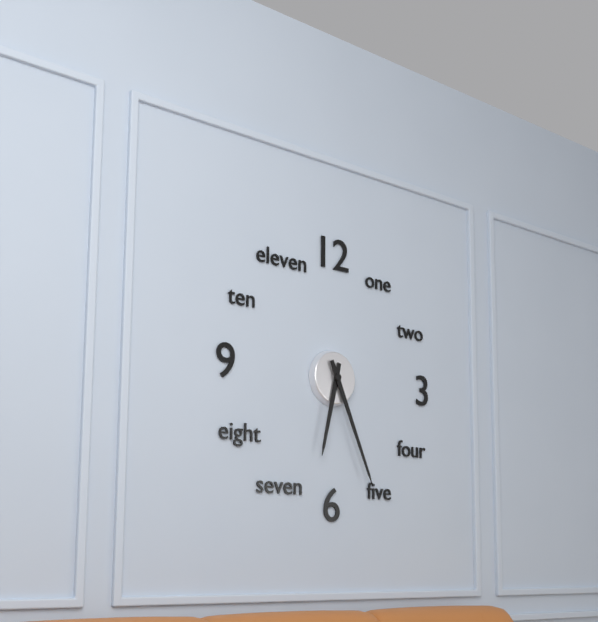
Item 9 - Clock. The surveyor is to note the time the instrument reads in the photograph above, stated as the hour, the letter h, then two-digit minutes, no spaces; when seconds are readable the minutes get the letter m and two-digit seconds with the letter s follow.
6h26
